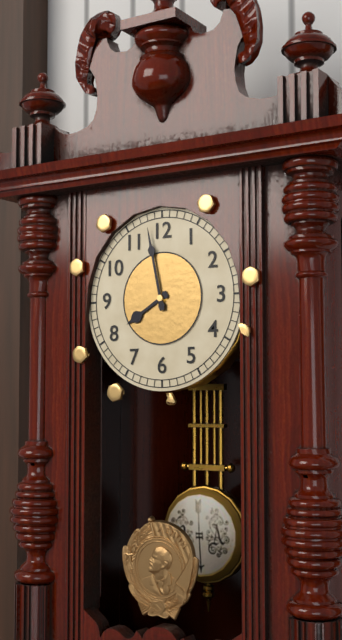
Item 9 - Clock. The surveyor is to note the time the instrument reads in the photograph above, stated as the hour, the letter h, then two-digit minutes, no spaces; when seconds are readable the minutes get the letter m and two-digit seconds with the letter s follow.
7h58
